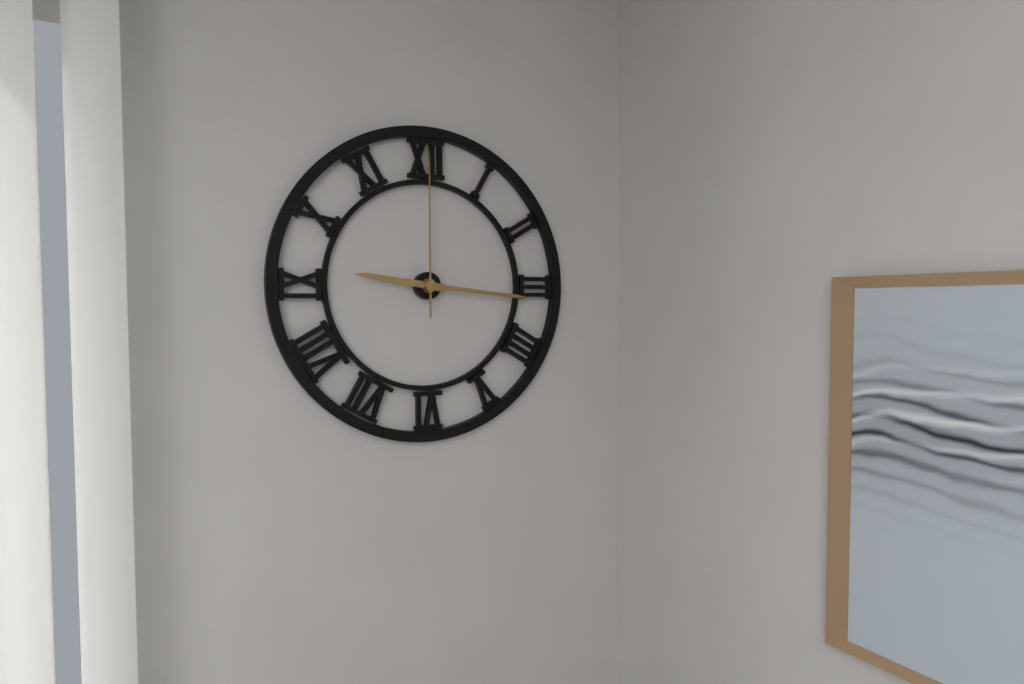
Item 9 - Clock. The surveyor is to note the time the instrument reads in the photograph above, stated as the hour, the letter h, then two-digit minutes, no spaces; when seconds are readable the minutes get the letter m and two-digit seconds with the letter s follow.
9h16m00s
